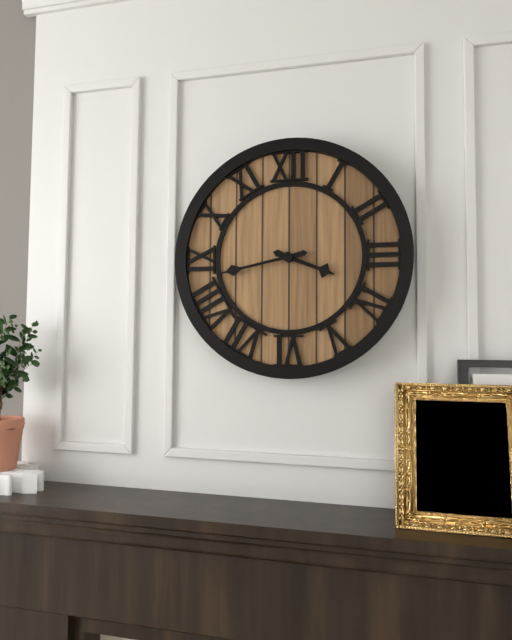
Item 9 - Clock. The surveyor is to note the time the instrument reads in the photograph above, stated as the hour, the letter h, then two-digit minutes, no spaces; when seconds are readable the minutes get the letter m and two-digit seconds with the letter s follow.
3h43
